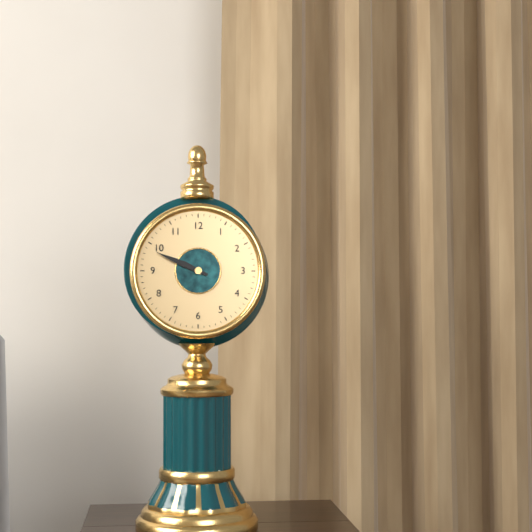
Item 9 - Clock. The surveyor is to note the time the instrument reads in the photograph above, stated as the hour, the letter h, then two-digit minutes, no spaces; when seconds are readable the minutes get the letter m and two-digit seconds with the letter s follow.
9h49
